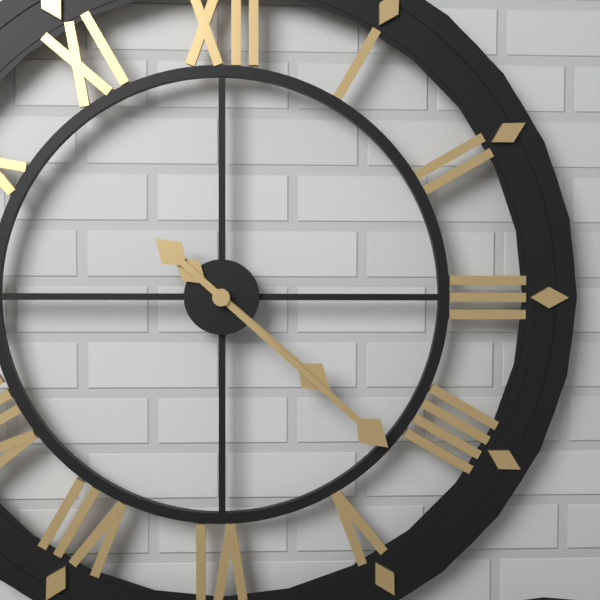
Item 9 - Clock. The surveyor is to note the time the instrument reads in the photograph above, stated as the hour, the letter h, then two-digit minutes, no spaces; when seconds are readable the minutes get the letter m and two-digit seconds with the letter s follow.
4h22
